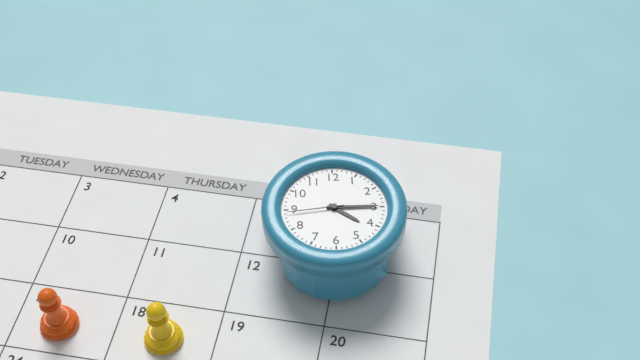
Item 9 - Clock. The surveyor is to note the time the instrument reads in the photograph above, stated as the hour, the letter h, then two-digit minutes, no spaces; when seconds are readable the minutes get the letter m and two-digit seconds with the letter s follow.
4h15m44s
